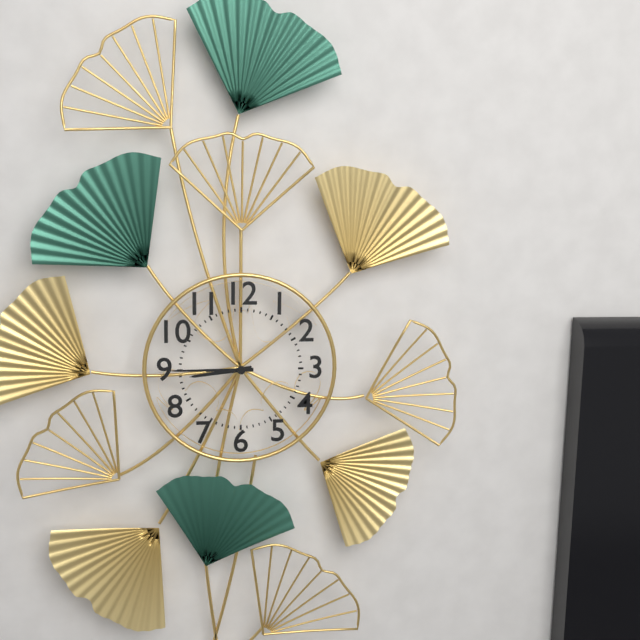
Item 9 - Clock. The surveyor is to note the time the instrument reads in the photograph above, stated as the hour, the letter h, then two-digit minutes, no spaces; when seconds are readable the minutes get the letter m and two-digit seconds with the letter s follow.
8h45
